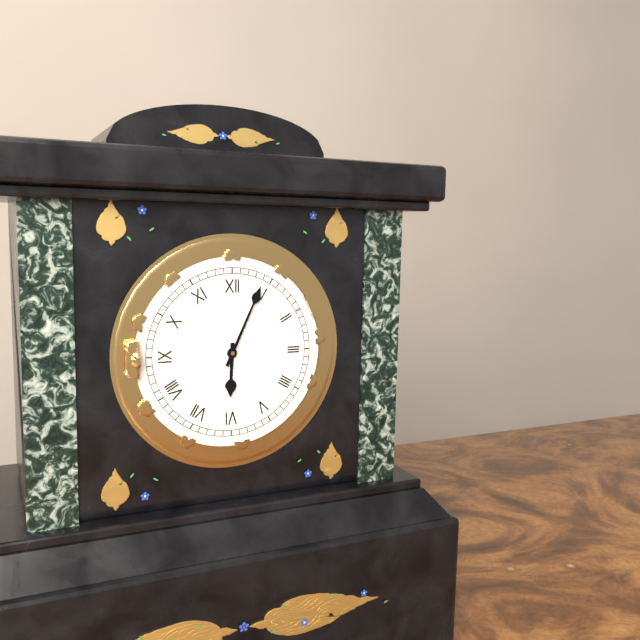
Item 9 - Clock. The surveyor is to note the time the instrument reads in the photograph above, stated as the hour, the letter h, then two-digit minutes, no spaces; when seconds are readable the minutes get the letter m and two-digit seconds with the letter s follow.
6h04
